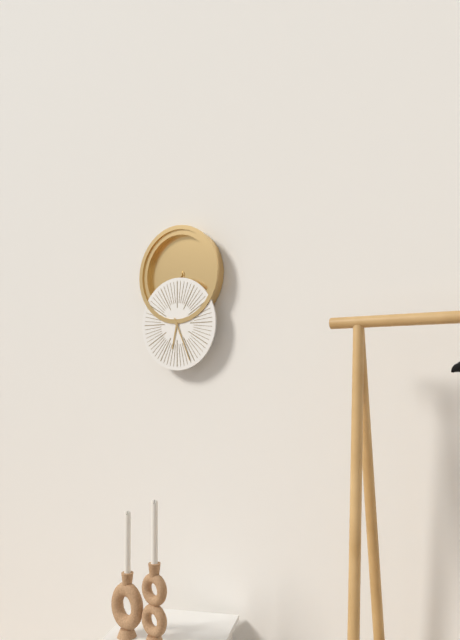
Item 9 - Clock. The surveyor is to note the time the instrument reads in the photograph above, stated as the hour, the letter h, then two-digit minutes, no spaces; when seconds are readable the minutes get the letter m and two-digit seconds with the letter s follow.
6h26
